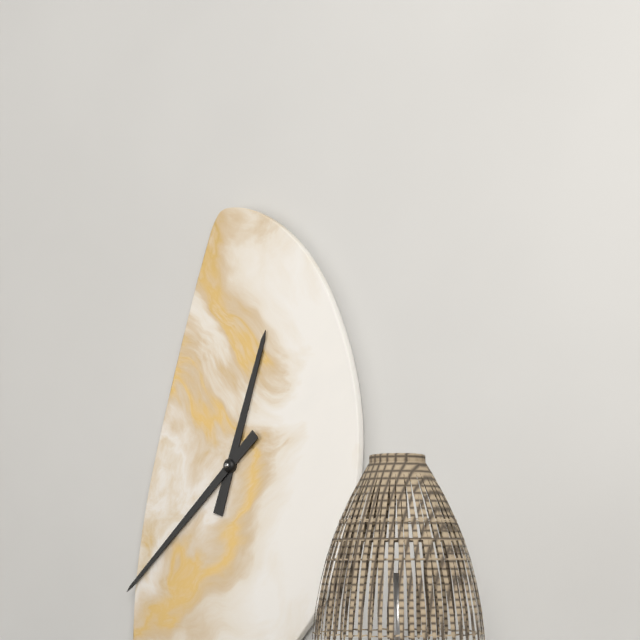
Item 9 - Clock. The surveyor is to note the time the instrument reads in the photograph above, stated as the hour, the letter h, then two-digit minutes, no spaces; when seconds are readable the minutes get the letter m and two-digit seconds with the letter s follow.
12h38
